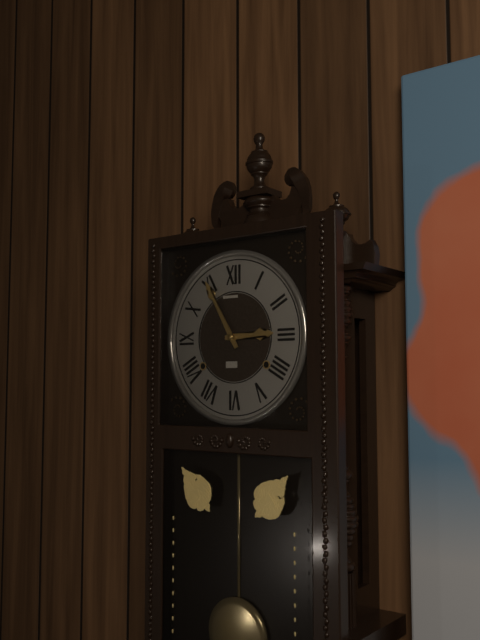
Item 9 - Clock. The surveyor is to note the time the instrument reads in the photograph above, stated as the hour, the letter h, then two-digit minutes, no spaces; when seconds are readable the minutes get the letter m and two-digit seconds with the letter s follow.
2h55
